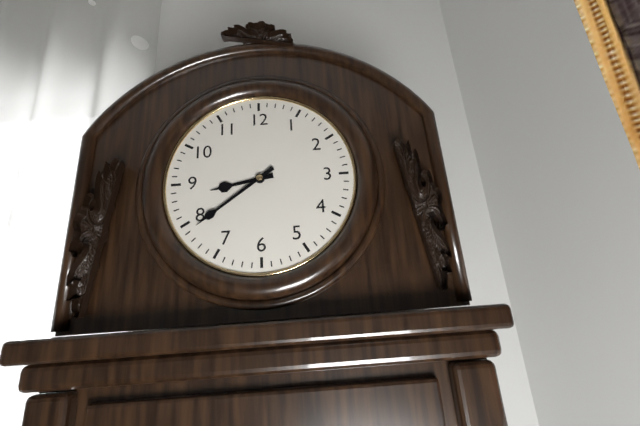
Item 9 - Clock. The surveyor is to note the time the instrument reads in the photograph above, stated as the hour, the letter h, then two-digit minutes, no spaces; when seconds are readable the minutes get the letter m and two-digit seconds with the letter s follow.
8h39
